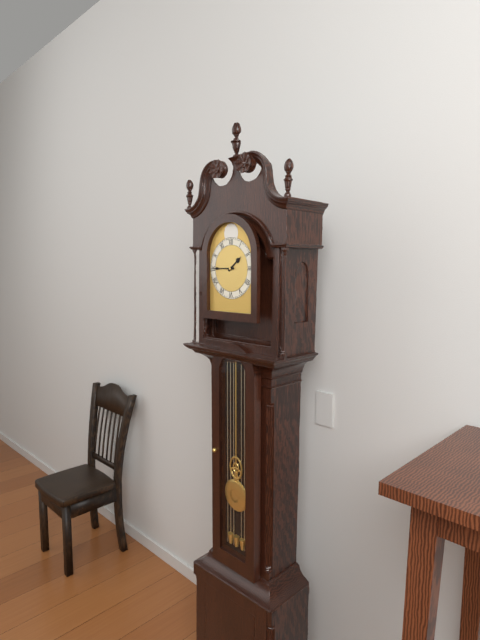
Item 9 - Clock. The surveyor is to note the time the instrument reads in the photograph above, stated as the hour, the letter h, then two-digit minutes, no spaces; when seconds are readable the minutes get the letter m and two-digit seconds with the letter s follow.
1h45
